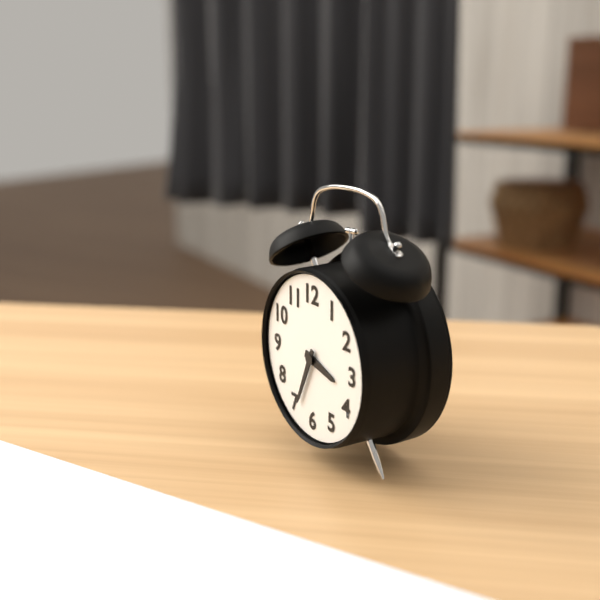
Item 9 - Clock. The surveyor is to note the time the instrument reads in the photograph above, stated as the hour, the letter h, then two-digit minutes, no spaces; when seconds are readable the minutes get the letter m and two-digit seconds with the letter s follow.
3h34
